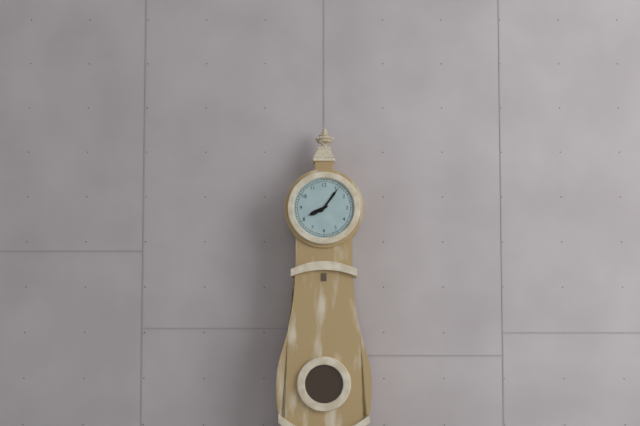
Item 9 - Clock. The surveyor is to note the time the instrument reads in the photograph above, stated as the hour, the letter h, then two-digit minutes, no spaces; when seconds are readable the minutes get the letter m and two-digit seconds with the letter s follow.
8h06
